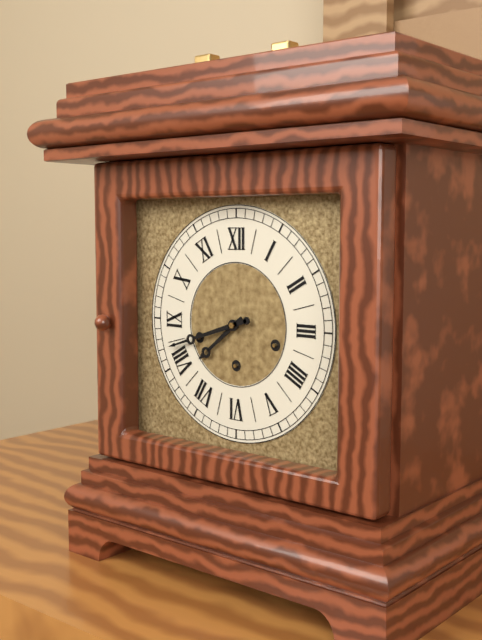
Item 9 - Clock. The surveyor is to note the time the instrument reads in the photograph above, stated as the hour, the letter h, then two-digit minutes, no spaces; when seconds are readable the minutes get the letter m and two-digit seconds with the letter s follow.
7h42
